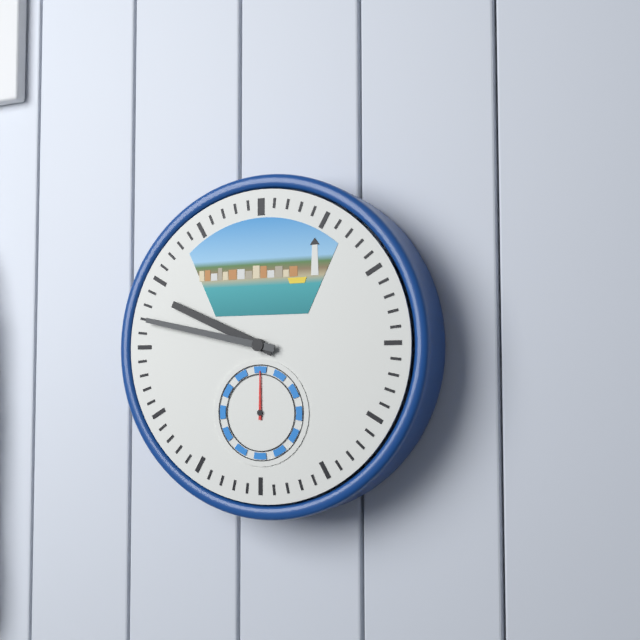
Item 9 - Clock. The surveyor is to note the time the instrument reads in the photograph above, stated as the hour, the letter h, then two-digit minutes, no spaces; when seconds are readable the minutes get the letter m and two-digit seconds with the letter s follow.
9h47
